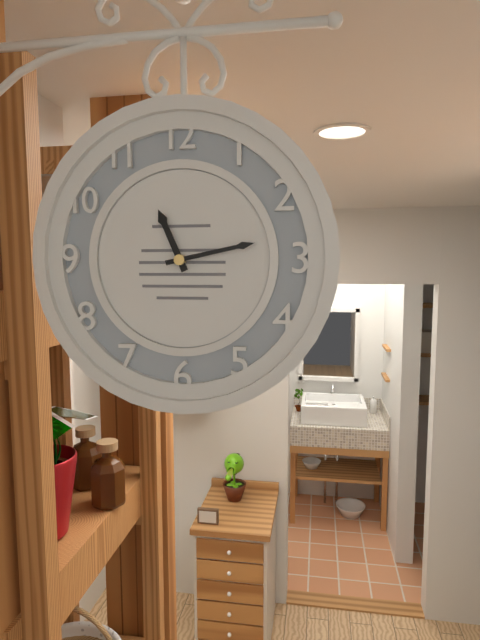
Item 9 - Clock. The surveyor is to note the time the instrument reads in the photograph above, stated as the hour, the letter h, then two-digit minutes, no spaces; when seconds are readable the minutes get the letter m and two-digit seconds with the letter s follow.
11h13
